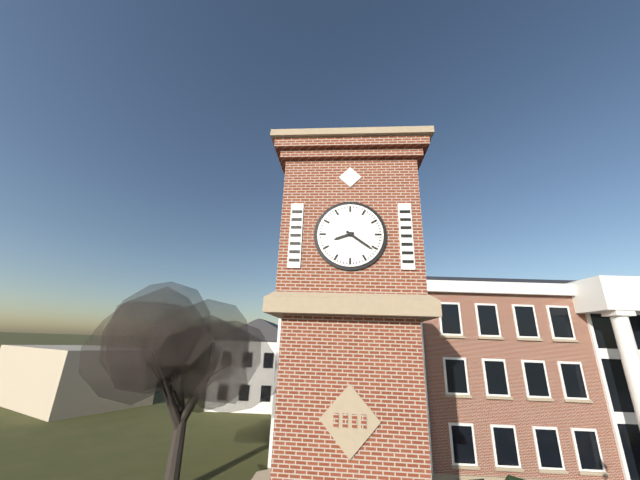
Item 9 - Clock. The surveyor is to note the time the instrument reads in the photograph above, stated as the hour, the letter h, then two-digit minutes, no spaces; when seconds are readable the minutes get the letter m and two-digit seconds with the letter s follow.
8h21
